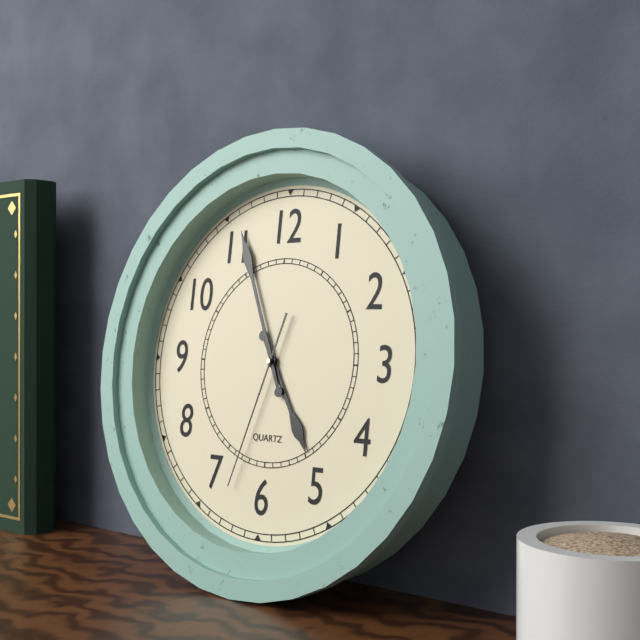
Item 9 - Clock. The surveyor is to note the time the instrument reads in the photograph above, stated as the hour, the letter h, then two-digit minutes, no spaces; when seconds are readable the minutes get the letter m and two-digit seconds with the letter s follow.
4h56m33s
